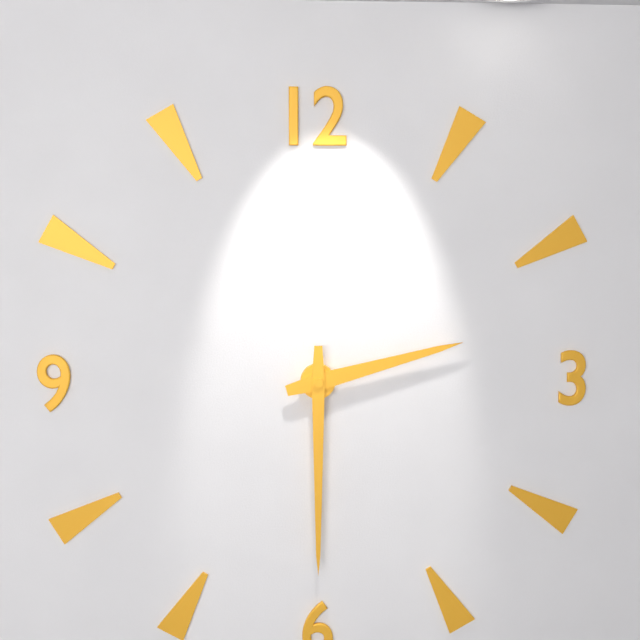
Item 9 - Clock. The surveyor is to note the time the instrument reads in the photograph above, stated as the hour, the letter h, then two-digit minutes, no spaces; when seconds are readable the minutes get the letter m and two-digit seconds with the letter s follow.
2h30
